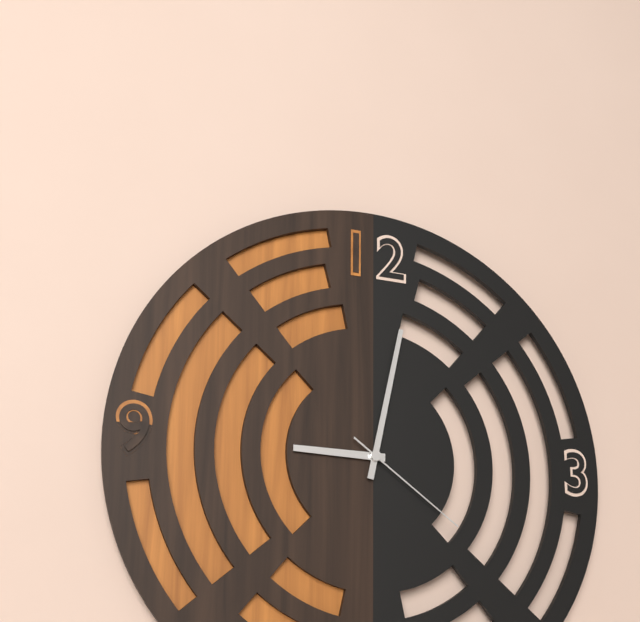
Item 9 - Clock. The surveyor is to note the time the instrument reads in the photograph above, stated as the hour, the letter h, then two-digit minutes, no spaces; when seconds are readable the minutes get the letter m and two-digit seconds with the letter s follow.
9h02m21s
